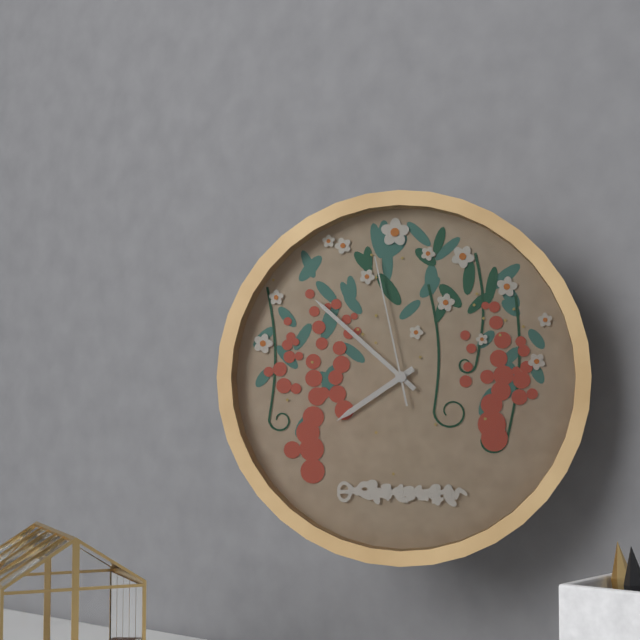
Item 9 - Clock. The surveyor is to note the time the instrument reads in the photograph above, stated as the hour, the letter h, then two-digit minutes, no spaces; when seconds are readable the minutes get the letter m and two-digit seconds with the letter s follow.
7h52m58s
